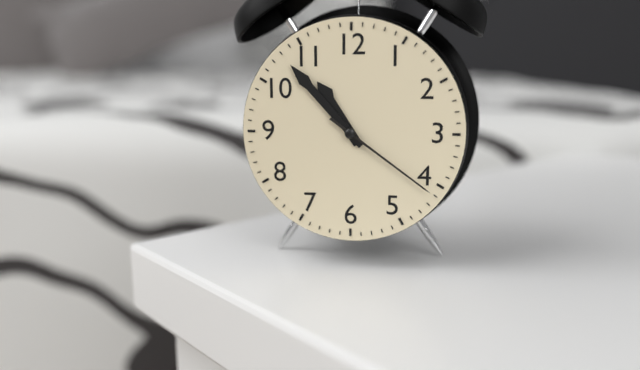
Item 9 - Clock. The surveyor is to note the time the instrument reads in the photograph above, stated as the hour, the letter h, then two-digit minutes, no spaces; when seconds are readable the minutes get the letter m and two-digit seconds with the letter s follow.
10h53m21s
